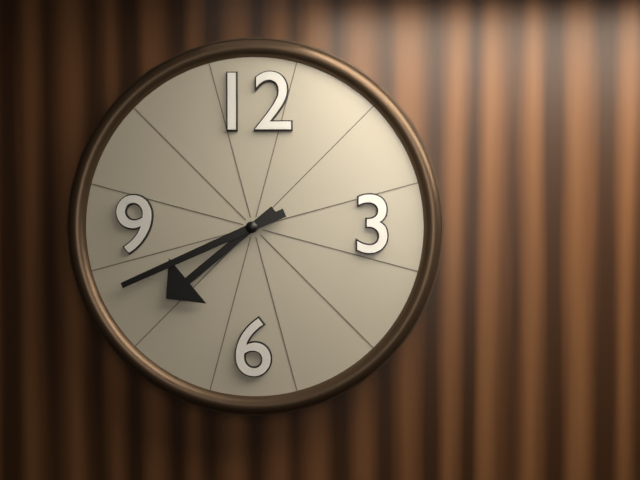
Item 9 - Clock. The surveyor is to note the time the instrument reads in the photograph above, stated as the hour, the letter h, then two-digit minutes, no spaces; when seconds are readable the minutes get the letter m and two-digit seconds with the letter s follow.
7h41
